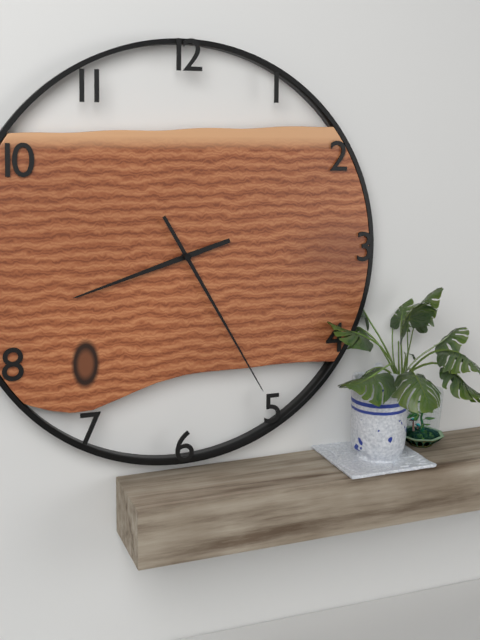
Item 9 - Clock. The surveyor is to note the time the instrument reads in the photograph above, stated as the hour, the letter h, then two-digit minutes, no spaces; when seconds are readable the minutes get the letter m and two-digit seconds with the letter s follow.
8h25
